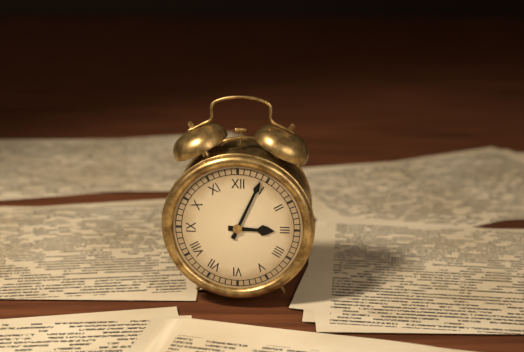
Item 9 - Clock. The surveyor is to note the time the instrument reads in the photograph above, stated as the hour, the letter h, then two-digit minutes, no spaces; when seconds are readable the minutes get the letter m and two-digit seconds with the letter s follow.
3h04
